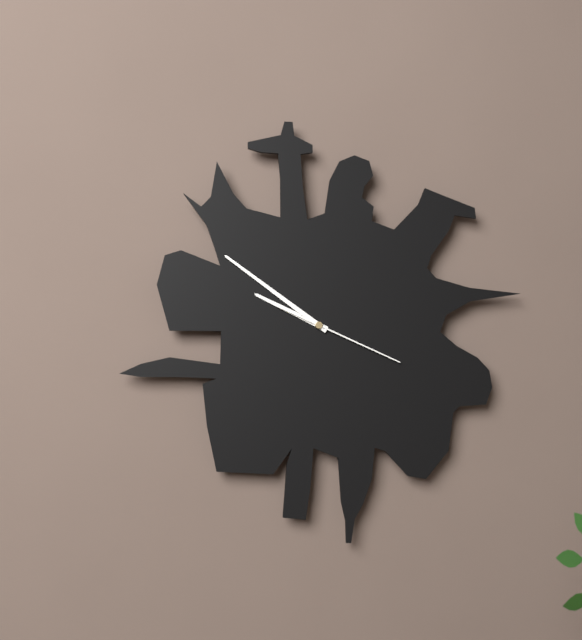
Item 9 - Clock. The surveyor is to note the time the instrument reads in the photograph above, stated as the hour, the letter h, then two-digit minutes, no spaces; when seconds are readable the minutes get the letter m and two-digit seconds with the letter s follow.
9h51m19s
